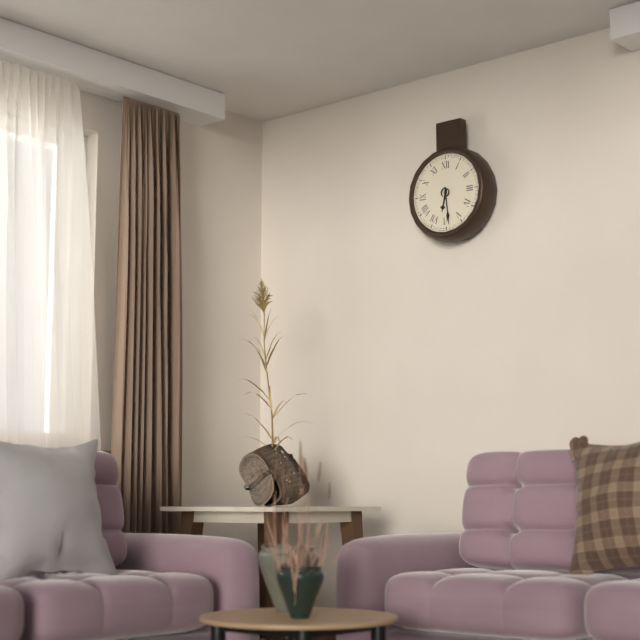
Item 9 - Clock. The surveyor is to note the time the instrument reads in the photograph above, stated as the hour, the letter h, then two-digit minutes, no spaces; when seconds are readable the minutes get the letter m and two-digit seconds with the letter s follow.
6h29
